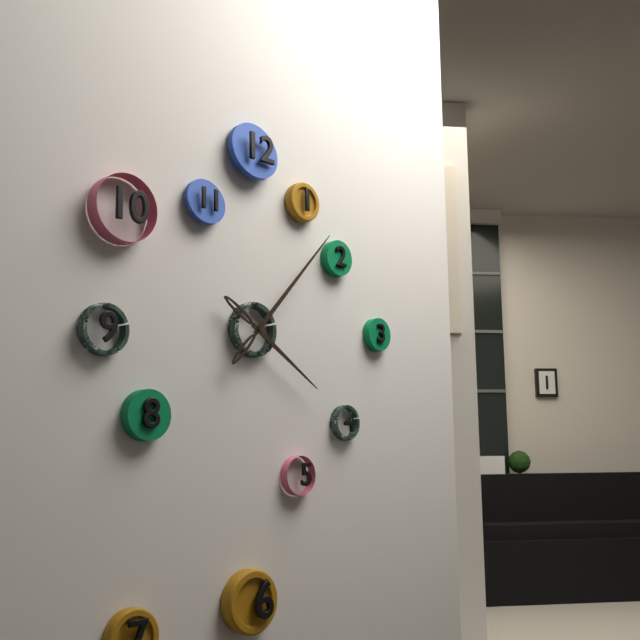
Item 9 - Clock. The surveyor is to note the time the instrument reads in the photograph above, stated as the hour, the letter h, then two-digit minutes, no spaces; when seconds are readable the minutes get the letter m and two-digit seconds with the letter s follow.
4h07
